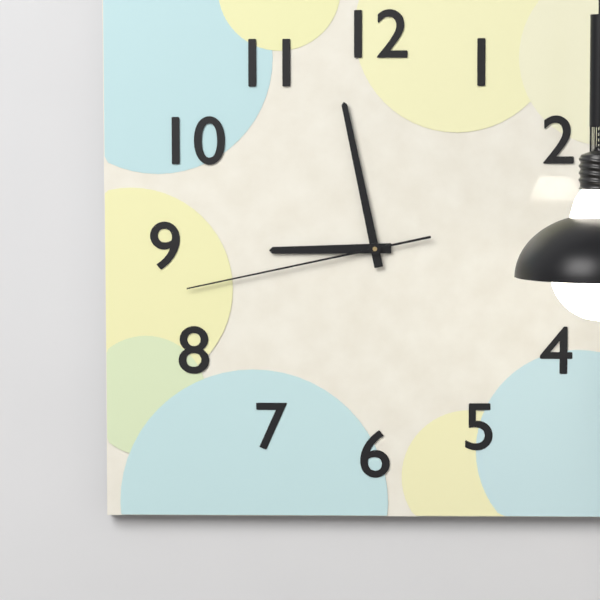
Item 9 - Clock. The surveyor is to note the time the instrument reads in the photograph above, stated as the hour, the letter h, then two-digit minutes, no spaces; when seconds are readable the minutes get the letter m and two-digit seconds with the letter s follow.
8h58m43s
